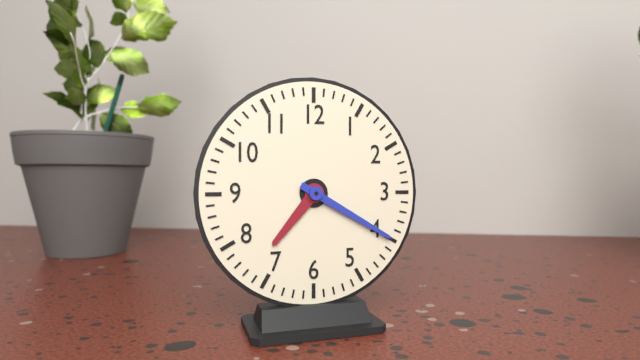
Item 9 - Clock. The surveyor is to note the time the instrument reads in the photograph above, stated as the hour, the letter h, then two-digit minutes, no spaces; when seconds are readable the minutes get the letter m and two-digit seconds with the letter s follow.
7h20
